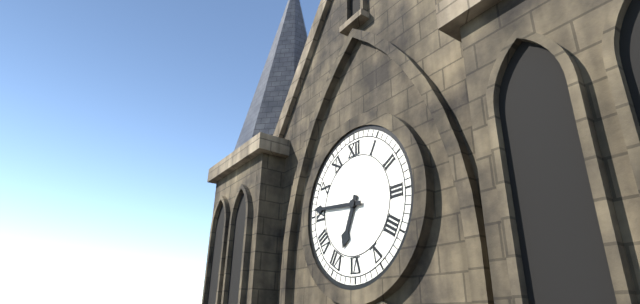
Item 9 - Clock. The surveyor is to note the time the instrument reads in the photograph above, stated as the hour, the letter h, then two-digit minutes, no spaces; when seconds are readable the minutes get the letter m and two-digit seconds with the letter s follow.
6h46
